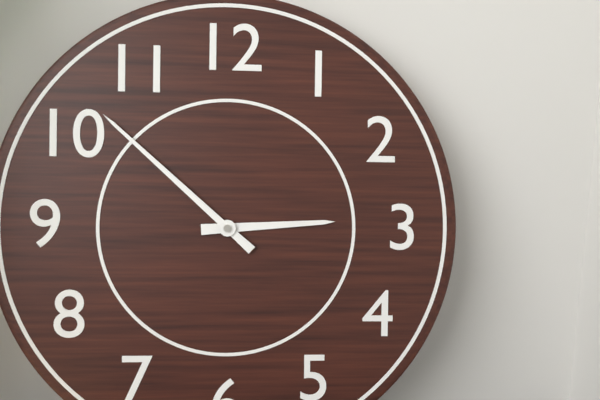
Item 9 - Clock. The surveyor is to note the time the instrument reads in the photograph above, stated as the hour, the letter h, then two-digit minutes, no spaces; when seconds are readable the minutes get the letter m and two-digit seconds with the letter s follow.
2h52
